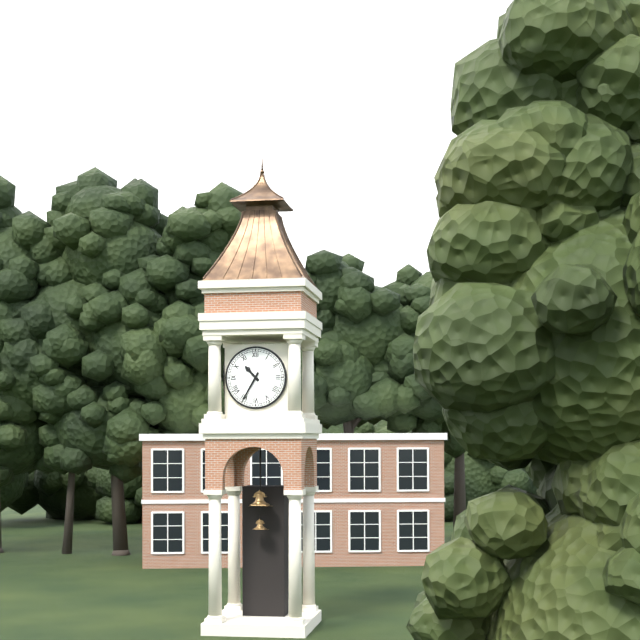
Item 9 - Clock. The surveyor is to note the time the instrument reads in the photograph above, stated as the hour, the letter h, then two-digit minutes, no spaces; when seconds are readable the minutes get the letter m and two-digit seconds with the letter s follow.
10h35
